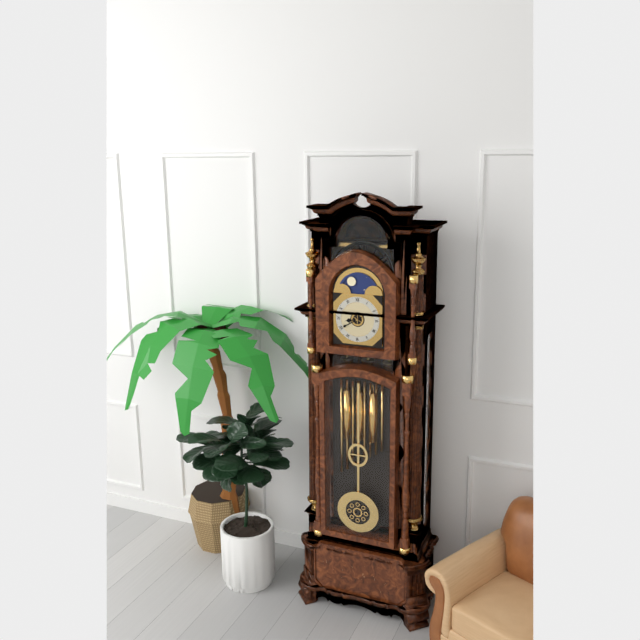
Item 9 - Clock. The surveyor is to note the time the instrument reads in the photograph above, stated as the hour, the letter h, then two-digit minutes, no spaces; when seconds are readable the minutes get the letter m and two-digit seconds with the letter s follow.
8h40
